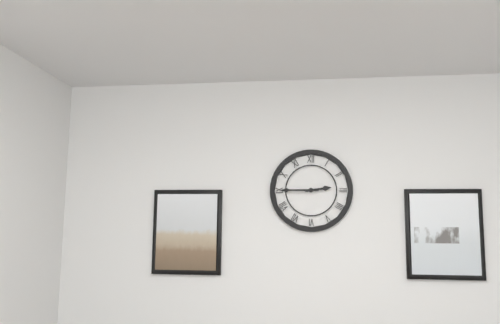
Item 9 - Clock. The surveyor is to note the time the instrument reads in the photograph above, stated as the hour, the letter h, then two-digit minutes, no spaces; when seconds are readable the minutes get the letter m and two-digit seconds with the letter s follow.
2h45
